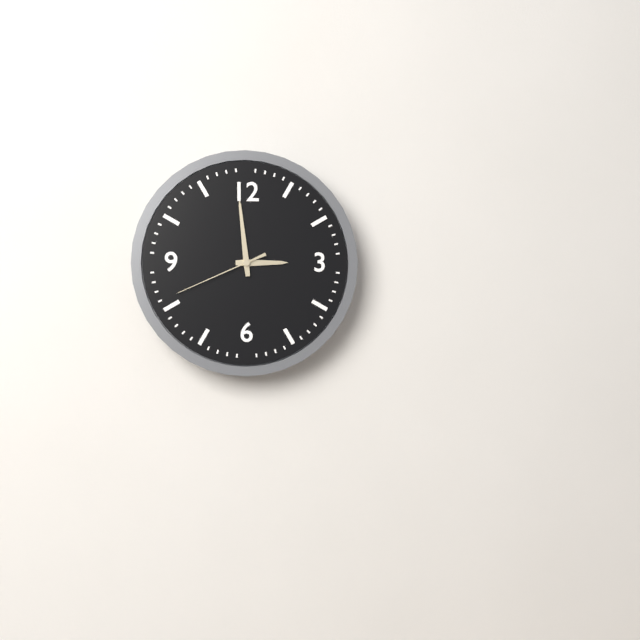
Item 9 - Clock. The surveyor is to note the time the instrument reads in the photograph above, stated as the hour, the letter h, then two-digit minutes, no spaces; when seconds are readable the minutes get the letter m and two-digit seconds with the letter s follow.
2h59m41s
